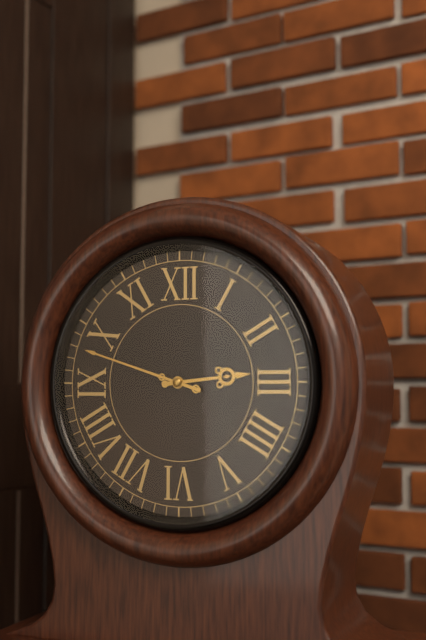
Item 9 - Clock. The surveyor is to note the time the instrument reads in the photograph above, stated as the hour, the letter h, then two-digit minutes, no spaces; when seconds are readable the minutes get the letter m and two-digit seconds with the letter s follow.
2h48
